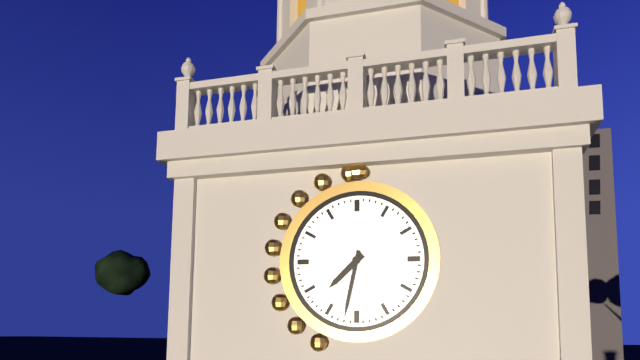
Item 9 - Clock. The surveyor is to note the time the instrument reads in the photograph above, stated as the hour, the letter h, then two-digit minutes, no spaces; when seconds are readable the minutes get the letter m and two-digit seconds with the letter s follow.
7h32
